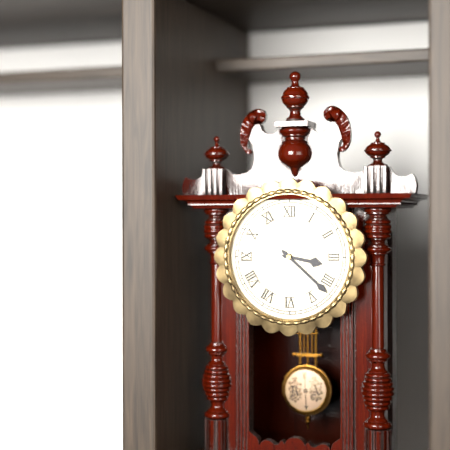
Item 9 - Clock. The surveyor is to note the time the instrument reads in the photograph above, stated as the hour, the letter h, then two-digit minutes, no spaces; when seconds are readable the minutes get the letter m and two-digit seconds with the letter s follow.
3h22
